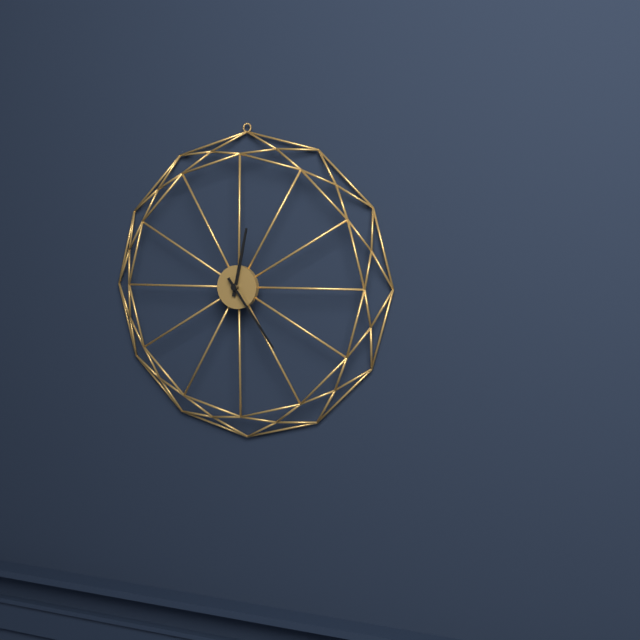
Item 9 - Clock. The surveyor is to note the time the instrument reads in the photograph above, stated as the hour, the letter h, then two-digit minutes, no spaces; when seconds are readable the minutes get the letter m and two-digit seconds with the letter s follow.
12h24
